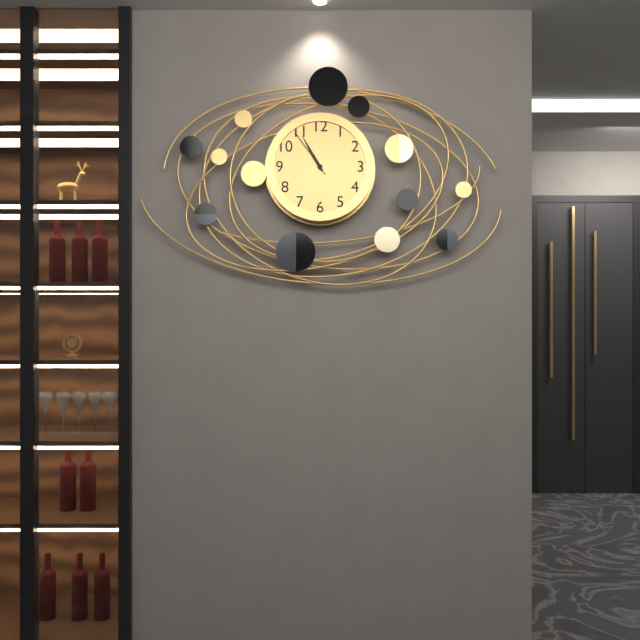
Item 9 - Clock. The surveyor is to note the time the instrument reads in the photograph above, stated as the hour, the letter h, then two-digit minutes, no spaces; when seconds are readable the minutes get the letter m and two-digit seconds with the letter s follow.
10h55m54s
